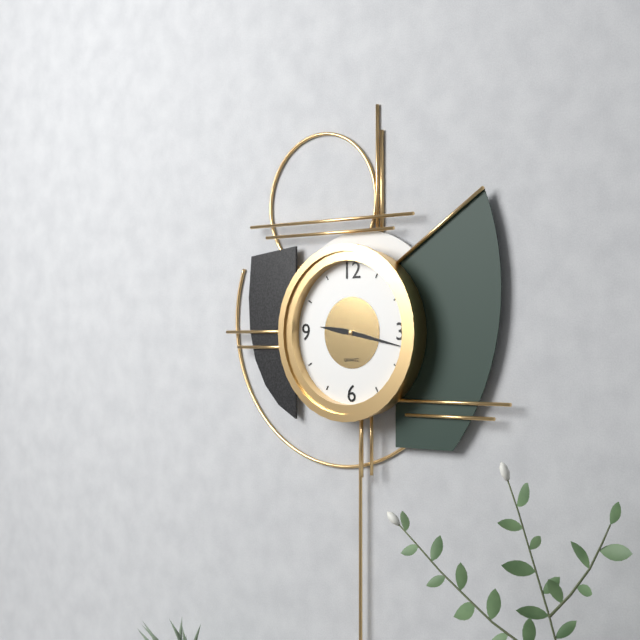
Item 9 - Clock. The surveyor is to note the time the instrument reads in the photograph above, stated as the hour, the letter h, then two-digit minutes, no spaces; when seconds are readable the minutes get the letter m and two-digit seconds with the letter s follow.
9h17
